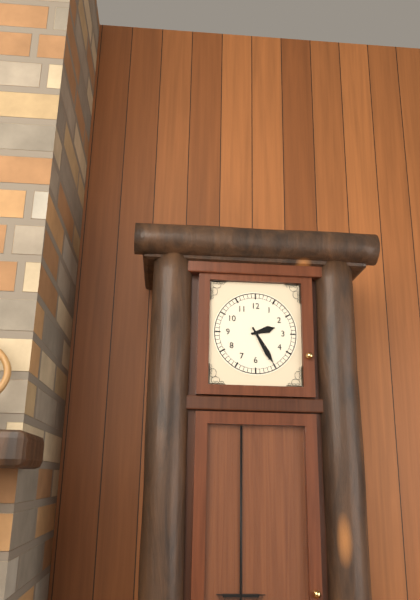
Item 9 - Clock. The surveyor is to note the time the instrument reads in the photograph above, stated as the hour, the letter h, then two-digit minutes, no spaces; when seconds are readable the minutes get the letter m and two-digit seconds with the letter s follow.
2h25
